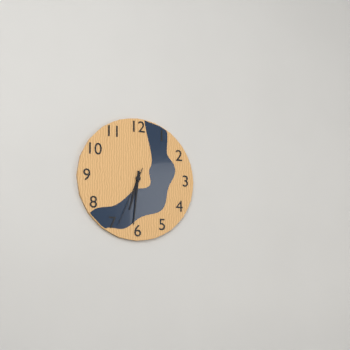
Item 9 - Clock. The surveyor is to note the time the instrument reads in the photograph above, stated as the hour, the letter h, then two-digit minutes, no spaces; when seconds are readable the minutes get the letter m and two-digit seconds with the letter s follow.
6h31m34s
